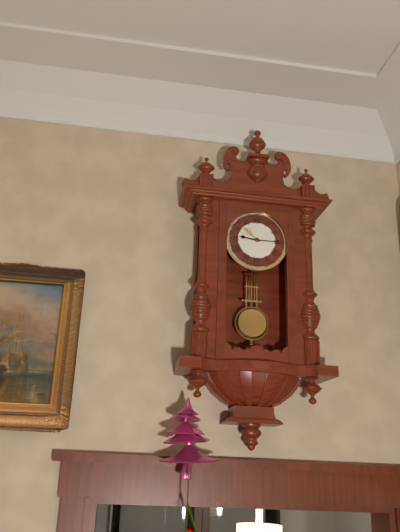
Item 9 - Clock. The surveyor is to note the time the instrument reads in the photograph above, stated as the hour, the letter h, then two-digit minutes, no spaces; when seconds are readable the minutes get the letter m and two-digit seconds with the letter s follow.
9h15
